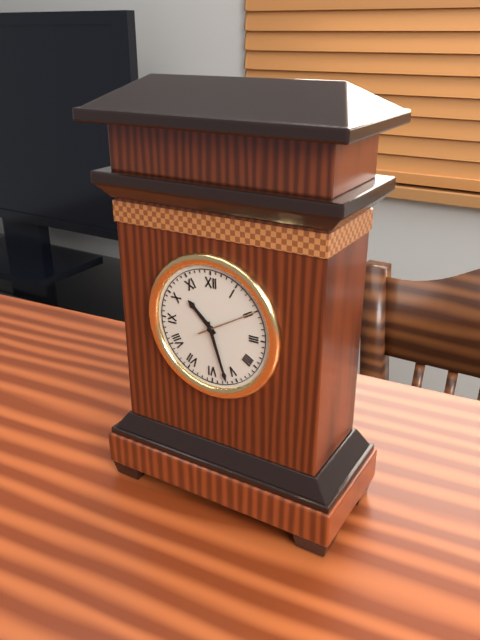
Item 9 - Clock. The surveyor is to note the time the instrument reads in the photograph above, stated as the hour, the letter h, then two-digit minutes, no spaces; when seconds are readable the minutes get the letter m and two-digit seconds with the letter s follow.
10h27m10s
